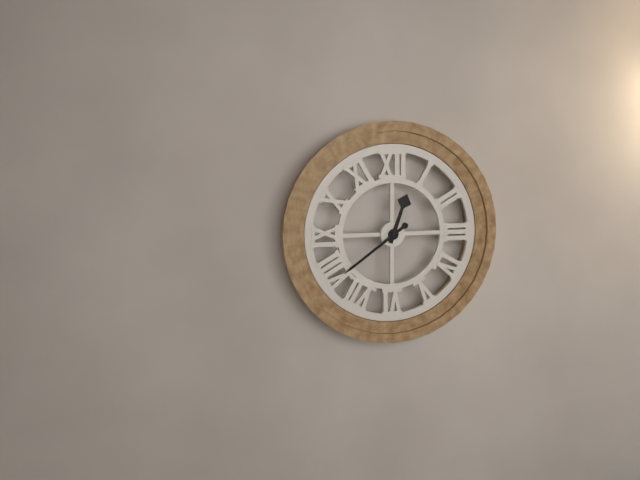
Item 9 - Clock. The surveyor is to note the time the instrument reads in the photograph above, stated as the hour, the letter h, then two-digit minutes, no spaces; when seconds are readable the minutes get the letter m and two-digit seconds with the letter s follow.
12h39
